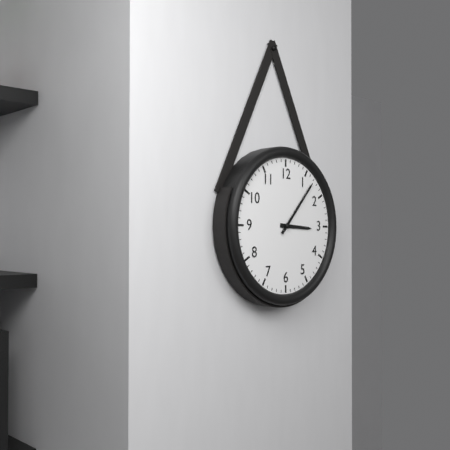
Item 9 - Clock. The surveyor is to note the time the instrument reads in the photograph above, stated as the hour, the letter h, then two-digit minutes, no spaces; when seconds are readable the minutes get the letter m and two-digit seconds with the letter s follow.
3h07
